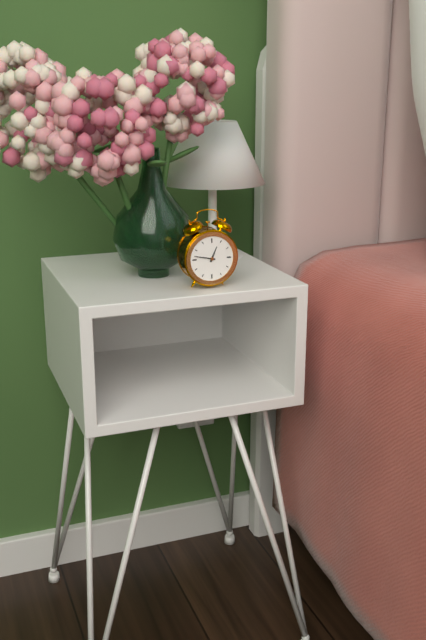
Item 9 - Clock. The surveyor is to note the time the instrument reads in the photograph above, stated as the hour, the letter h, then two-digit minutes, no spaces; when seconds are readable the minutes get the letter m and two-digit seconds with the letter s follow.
12h47
